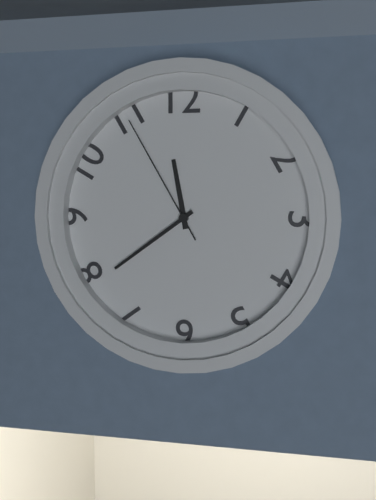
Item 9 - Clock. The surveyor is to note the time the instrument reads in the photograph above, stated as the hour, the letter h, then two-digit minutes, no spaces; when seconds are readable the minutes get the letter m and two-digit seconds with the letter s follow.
11h39m55s
